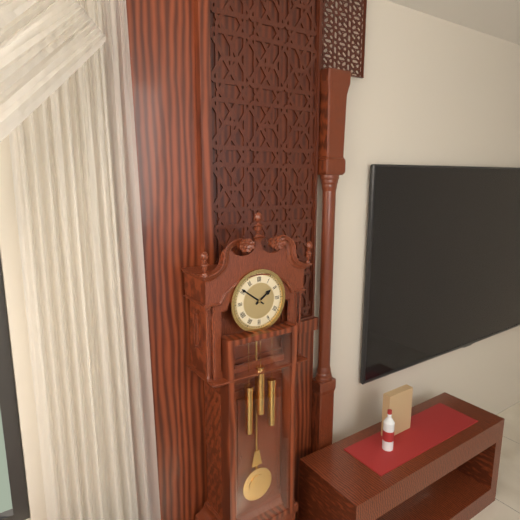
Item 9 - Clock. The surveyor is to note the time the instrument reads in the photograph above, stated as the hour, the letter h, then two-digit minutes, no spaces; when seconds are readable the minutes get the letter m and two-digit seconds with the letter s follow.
1h51
